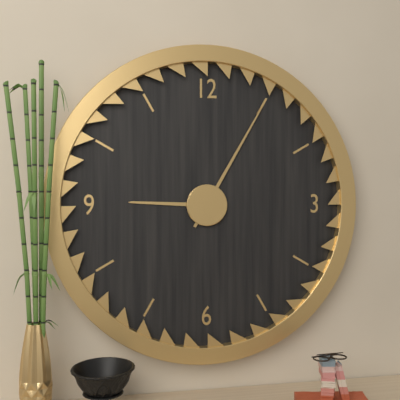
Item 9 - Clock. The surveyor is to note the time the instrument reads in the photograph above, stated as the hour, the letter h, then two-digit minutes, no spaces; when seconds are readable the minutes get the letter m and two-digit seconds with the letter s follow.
9h05
